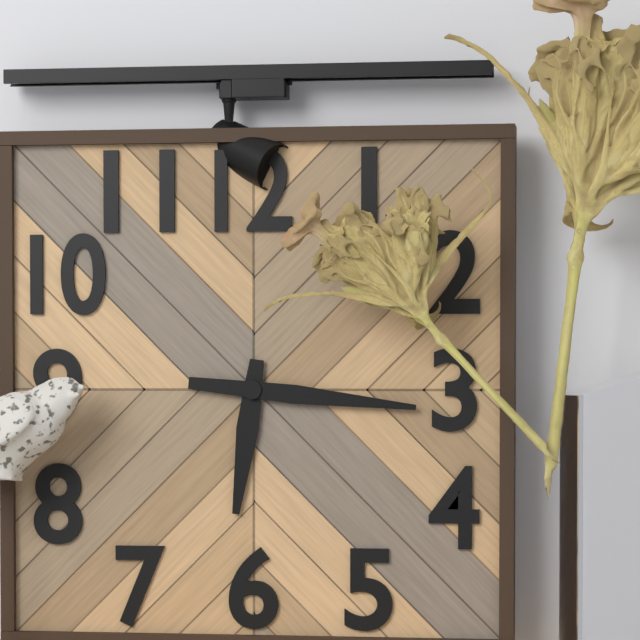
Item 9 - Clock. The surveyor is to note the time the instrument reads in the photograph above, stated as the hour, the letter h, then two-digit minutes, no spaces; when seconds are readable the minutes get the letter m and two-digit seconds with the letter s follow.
6h16
